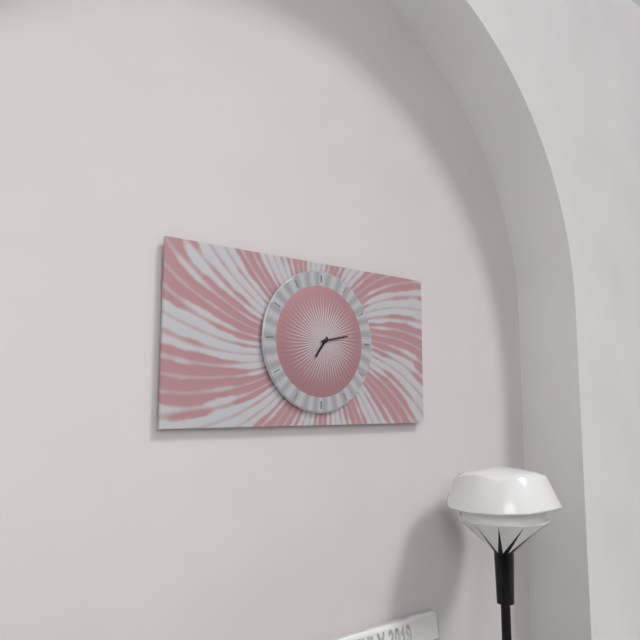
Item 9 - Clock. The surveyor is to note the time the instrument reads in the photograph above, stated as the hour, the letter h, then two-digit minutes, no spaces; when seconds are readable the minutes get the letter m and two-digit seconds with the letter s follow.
7h13
